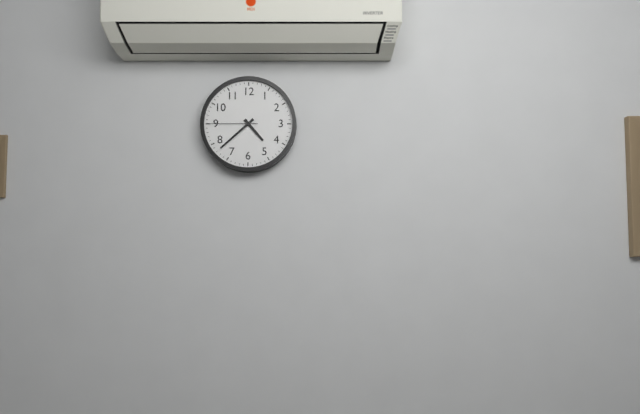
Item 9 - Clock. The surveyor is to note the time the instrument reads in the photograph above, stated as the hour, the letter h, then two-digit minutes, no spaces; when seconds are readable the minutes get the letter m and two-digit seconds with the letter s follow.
4h38m45s
